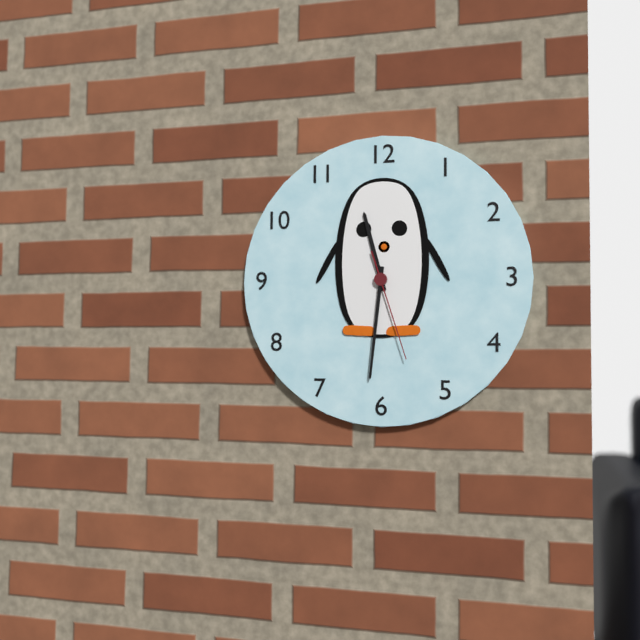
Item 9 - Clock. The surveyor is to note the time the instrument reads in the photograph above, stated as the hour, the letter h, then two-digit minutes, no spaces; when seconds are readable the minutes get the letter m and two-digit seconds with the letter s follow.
11h31m27s
